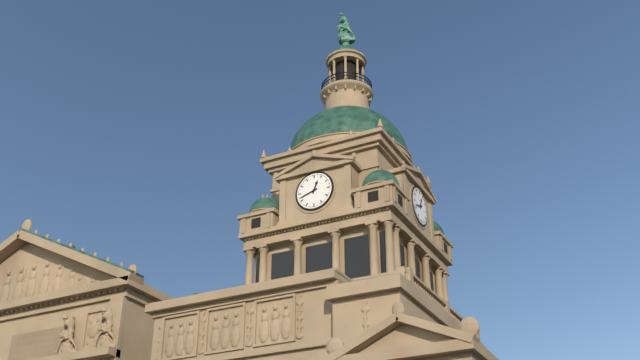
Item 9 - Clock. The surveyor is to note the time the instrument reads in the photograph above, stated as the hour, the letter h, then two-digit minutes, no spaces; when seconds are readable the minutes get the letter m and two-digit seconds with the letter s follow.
12h42
